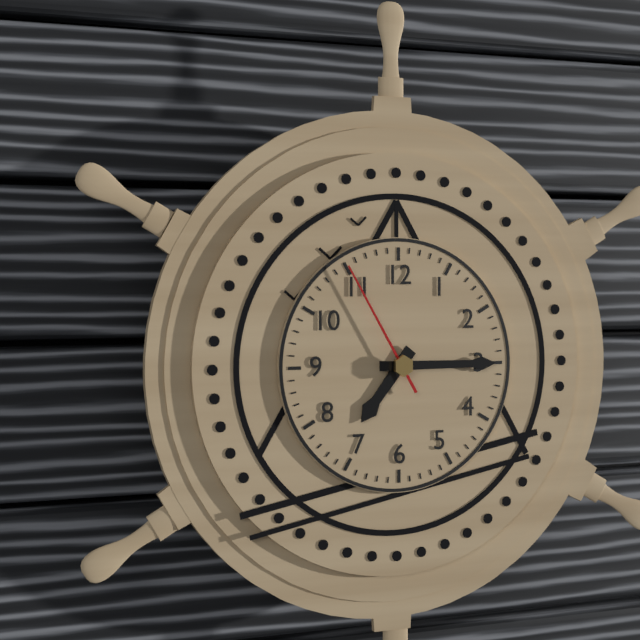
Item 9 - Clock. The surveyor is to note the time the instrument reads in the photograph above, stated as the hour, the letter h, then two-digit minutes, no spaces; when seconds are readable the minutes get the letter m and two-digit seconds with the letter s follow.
7h15m55s
